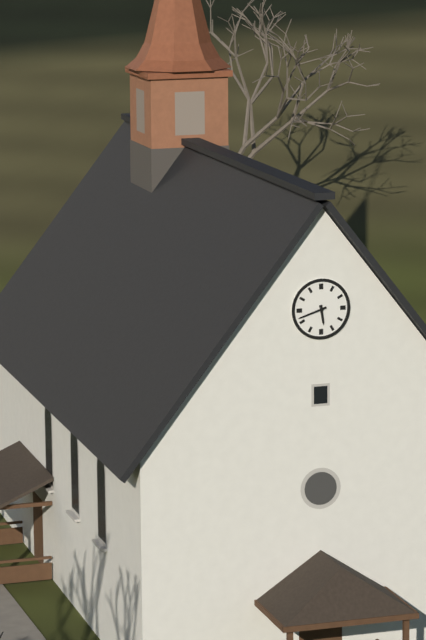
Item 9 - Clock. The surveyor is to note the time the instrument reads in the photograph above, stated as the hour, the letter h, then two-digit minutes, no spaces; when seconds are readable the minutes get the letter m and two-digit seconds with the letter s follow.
5h42
